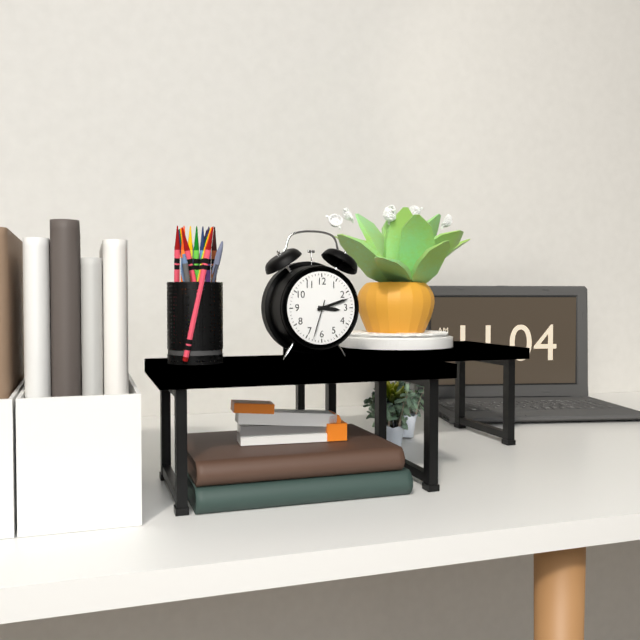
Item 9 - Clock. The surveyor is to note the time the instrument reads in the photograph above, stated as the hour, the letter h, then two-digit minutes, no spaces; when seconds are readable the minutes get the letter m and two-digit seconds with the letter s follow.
3h12
